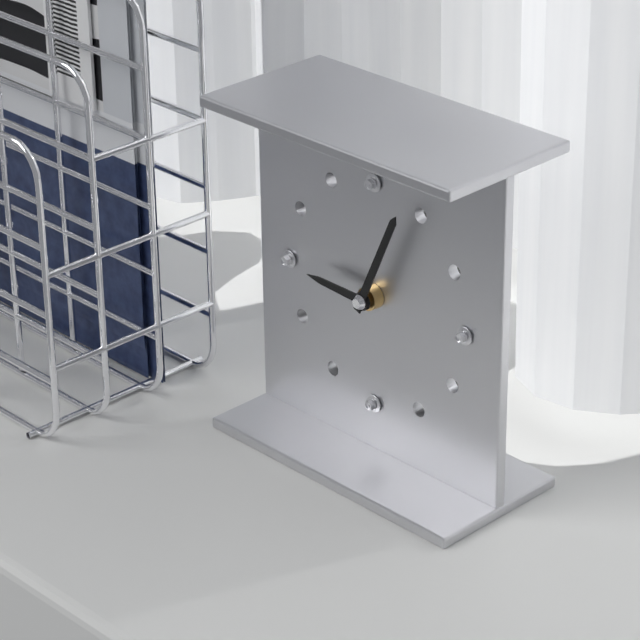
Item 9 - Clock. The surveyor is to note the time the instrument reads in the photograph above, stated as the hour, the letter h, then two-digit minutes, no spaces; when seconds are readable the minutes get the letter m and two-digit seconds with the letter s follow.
9h04
